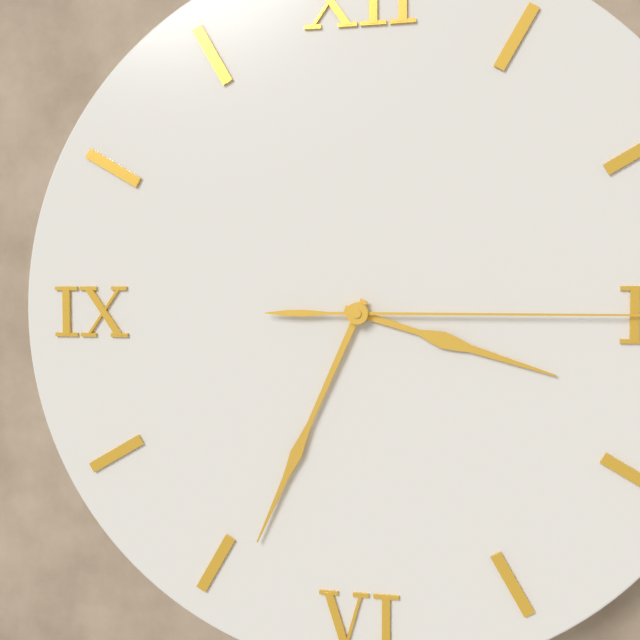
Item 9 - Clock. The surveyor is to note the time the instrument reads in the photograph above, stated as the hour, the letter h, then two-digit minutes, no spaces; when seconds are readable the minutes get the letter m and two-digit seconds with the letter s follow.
3h34
